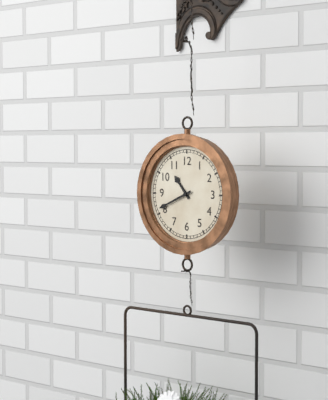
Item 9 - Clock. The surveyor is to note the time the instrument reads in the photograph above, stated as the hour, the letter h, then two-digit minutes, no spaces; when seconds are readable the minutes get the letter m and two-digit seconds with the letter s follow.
10h41
